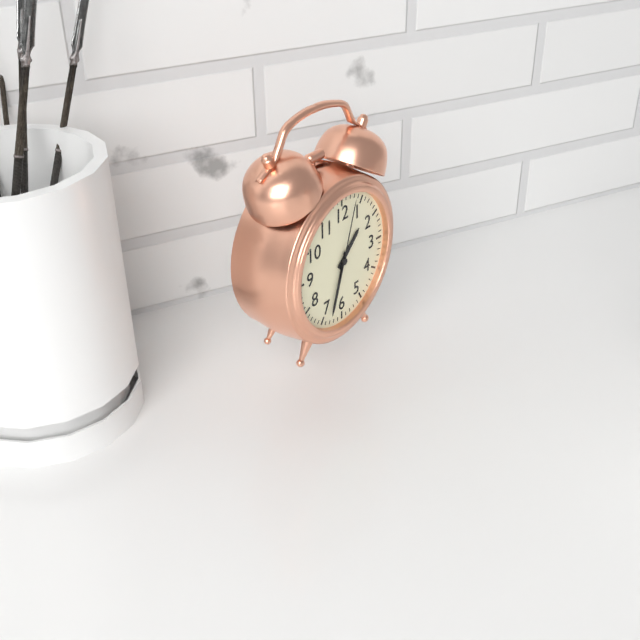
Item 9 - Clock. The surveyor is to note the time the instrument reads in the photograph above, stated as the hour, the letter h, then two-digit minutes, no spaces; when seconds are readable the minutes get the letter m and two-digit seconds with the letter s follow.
1h33m03s
